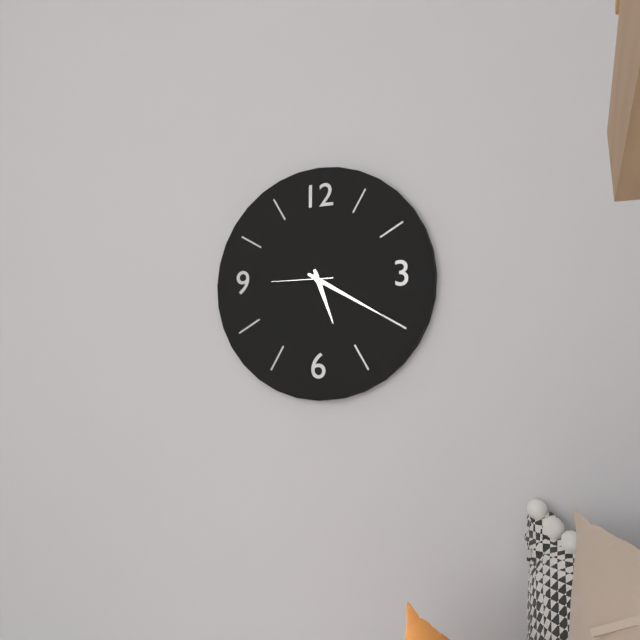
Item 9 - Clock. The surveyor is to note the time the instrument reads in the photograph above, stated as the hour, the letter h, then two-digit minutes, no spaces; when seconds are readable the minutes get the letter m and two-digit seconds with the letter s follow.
5h20m45s
